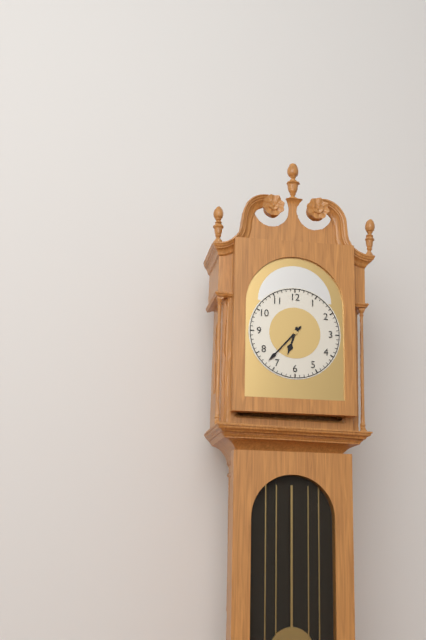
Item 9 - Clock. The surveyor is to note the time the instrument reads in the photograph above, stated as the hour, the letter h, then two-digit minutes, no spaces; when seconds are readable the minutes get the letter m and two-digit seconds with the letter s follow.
6h37
